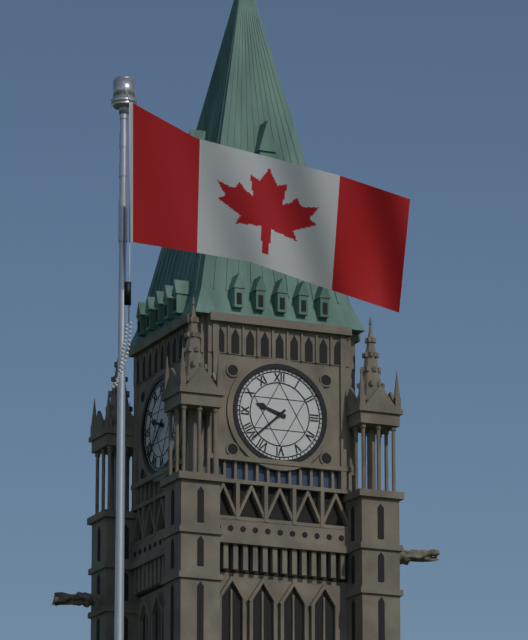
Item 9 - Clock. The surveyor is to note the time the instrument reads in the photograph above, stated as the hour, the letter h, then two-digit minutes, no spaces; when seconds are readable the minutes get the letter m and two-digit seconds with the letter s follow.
9h38
